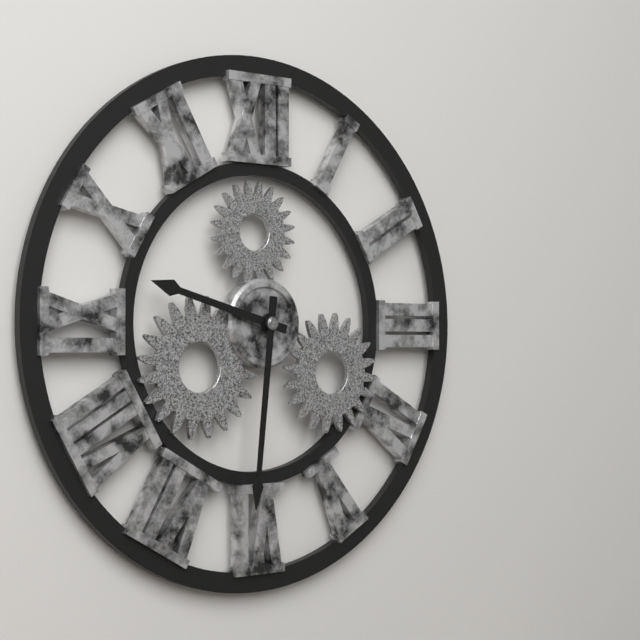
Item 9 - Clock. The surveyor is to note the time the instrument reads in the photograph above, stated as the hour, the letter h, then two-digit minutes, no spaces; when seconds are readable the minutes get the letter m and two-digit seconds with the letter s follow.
9h31
